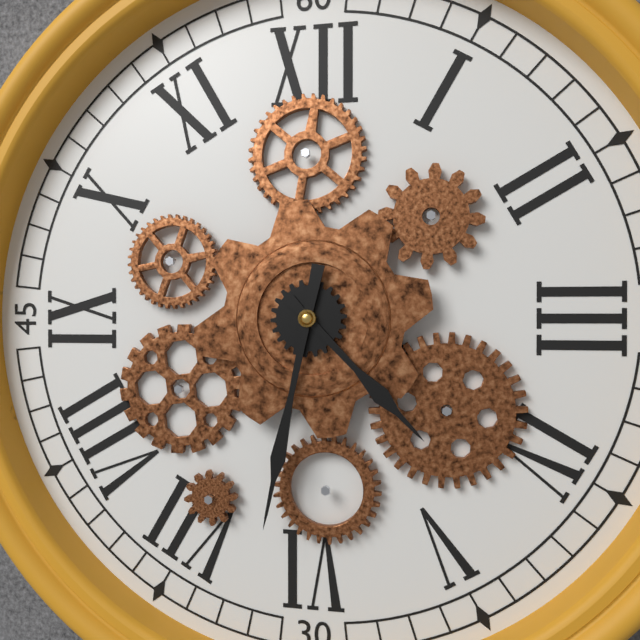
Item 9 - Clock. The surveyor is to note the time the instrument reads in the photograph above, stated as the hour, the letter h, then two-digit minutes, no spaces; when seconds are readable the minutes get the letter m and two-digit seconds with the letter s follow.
4h32
